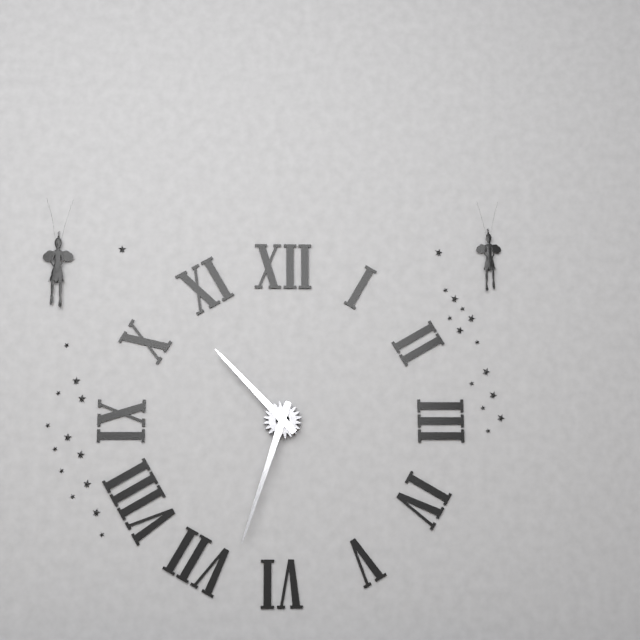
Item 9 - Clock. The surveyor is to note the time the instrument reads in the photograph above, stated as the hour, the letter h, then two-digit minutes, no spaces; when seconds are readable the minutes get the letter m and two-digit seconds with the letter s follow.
10h33
